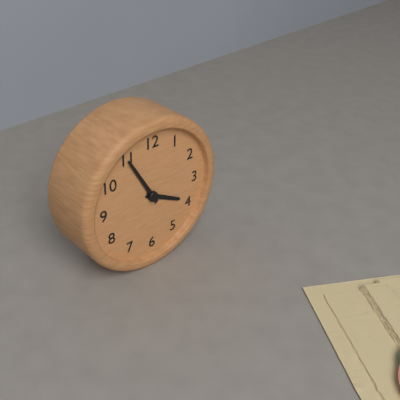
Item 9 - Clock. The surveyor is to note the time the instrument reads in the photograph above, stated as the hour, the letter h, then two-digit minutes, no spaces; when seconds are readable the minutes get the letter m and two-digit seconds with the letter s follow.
3h55
